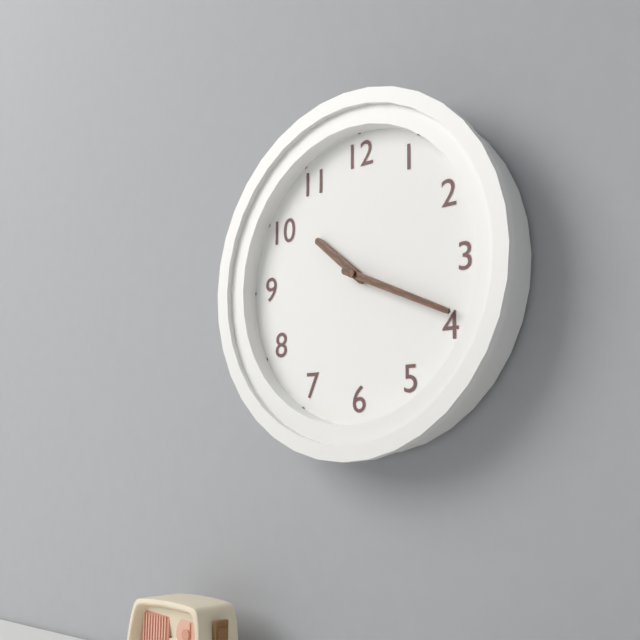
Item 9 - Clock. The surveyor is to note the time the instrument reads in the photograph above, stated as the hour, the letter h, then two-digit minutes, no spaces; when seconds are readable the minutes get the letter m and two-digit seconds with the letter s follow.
10h19
